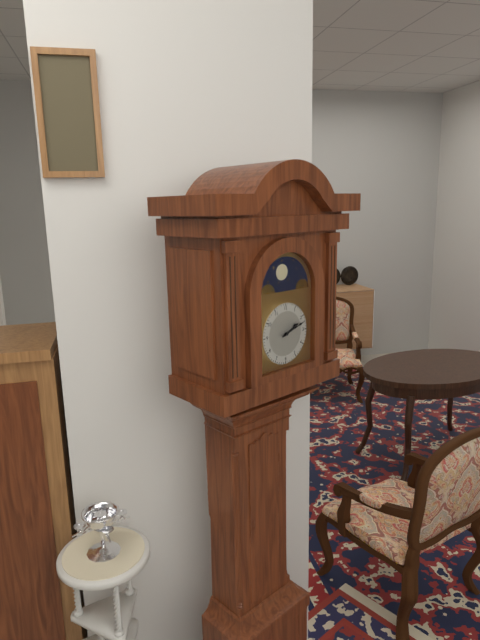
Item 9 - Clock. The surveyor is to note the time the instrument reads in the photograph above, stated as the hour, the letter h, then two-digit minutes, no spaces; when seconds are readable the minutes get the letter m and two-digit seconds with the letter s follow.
2h12
